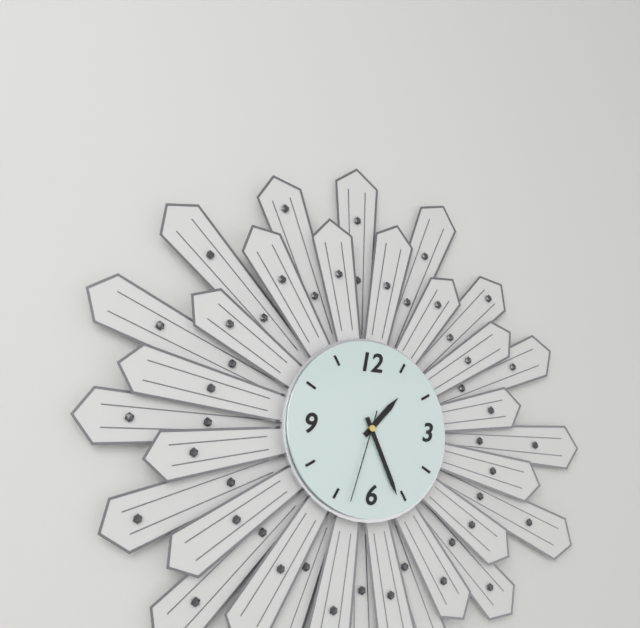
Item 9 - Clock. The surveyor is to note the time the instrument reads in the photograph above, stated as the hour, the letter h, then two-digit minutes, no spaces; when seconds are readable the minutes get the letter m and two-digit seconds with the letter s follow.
1h26m33s
